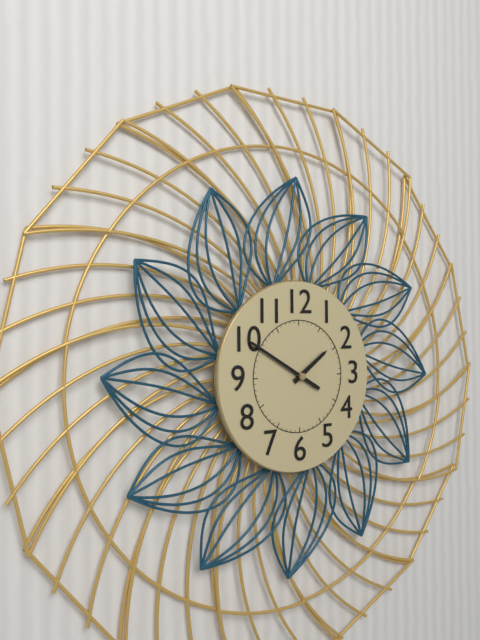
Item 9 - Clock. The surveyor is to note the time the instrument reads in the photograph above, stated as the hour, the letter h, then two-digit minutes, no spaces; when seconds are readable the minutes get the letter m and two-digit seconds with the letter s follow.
1h50
